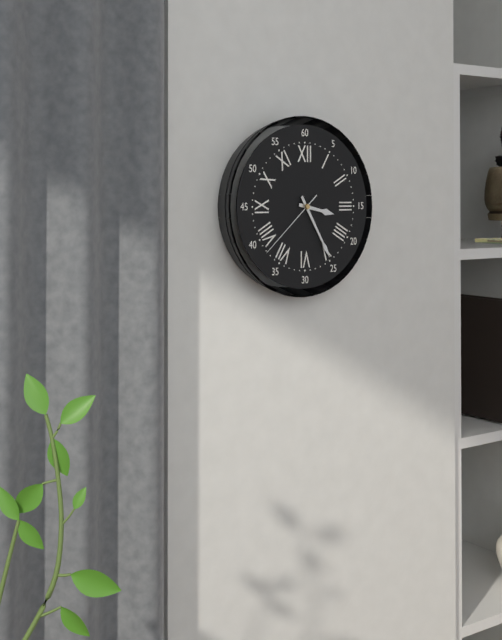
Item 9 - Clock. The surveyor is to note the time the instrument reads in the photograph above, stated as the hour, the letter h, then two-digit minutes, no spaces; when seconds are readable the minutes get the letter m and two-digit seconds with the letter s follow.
3h25m38s
